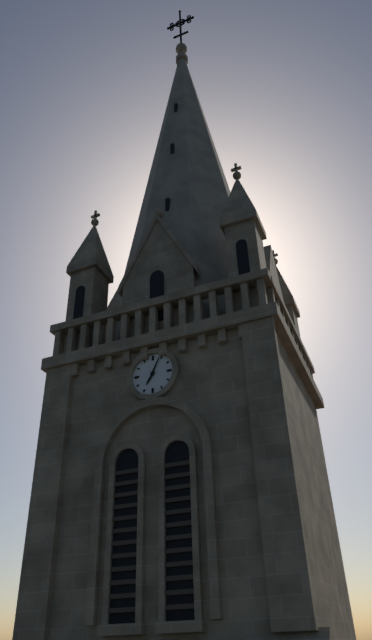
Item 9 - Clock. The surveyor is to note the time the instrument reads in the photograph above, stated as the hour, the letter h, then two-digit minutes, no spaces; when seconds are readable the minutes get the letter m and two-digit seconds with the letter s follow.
7h04
